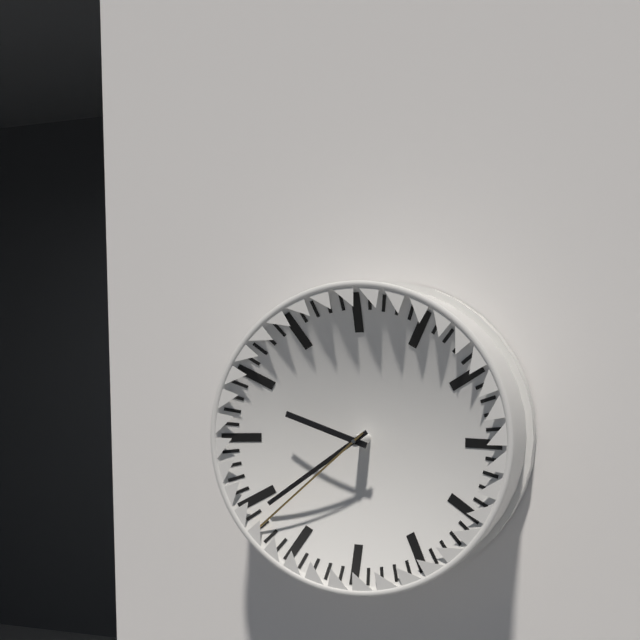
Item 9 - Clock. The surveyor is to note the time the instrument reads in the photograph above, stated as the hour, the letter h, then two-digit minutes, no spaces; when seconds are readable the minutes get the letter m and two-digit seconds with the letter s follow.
9h39m38s
